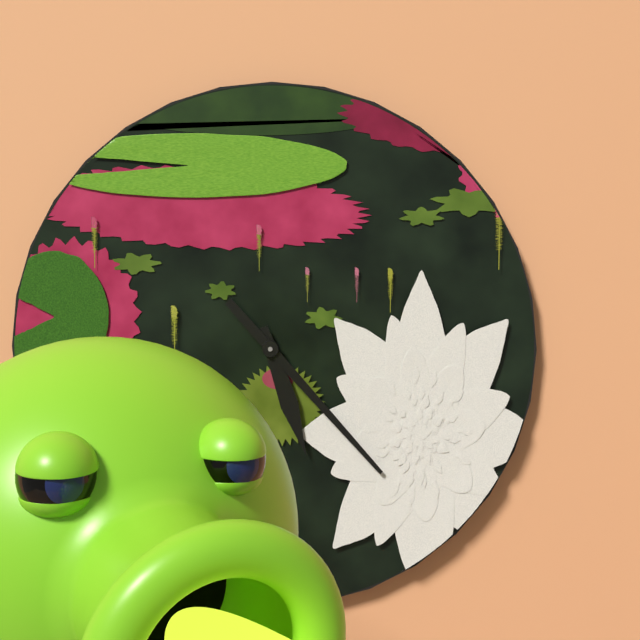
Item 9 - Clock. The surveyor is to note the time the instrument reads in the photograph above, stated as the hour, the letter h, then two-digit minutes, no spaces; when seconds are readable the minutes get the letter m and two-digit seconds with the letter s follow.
5h23
